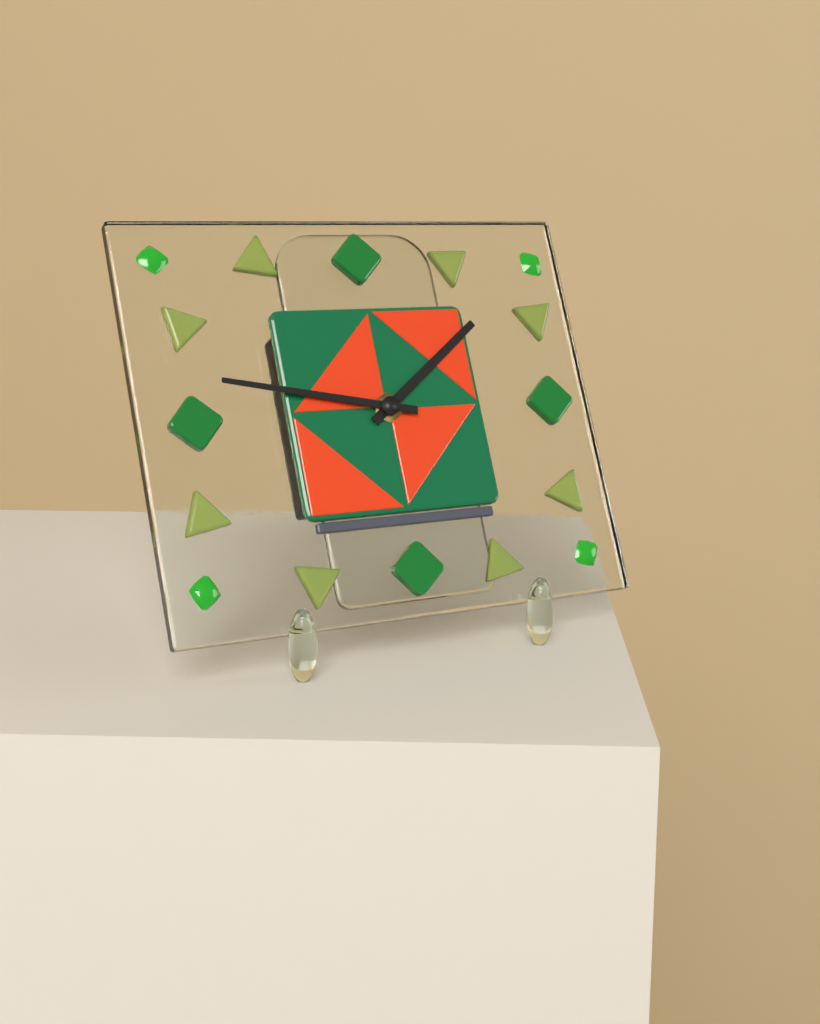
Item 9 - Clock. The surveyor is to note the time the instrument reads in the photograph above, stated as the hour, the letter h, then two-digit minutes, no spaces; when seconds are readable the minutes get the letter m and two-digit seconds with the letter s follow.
1h47
